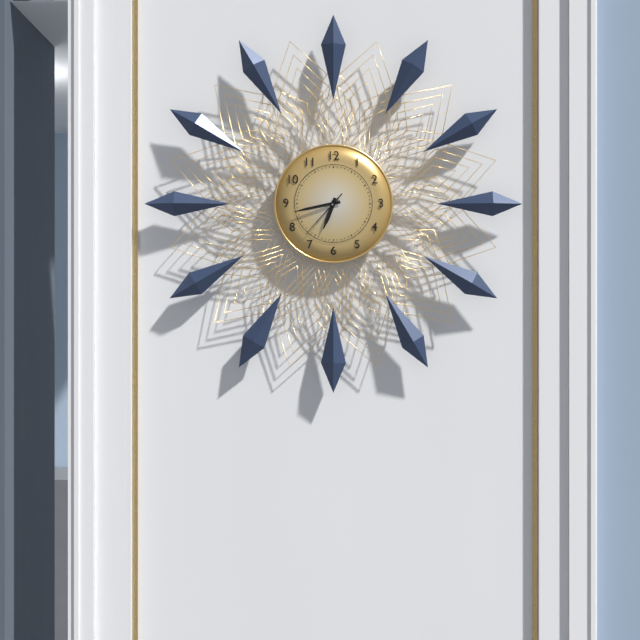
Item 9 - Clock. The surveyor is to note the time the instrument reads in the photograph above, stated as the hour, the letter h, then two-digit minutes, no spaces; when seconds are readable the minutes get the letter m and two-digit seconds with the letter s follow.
6h43m37s
